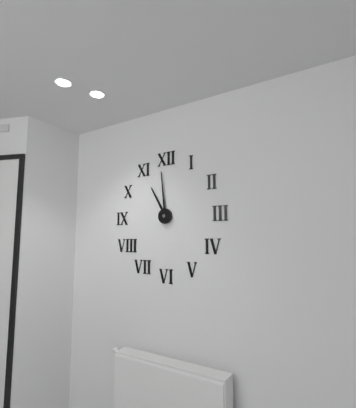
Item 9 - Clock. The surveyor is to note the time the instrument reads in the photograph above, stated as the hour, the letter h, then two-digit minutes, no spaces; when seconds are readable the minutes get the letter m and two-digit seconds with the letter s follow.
10h59
